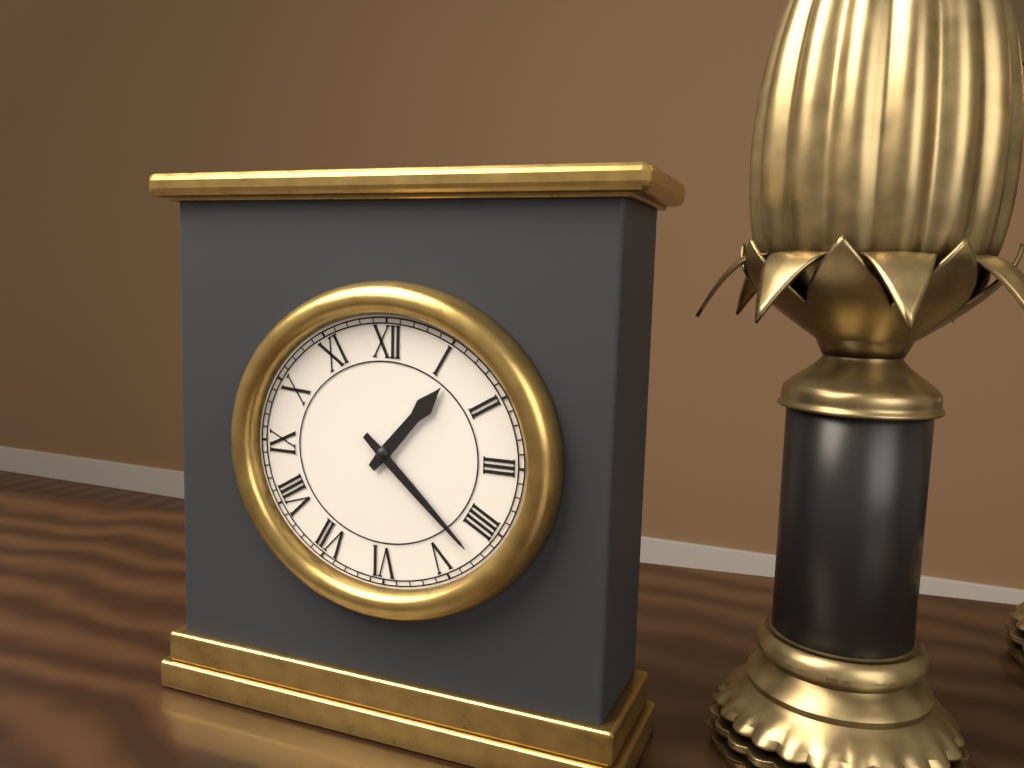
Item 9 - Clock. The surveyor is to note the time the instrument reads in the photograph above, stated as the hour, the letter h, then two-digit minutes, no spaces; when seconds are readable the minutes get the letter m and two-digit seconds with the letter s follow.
1h22
